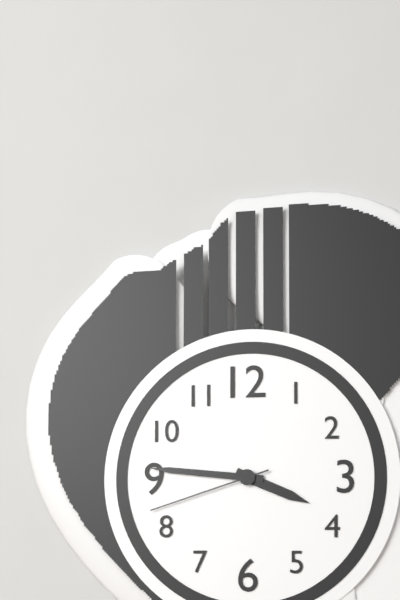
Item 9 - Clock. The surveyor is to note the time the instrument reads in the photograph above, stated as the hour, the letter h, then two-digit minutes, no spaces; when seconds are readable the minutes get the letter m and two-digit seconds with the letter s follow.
3h46m42s
